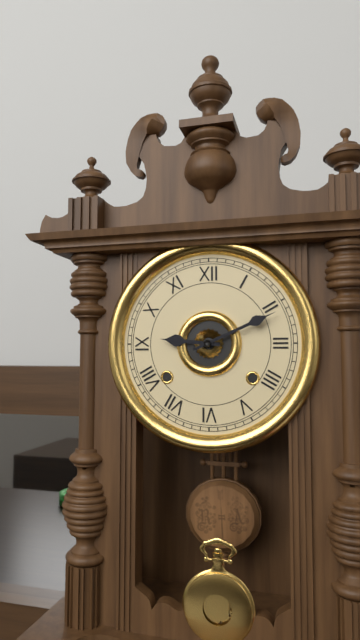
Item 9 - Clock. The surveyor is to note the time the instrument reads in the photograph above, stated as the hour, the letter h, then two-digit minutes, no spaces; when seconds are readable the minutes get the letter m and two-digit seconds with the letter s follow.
9h11
